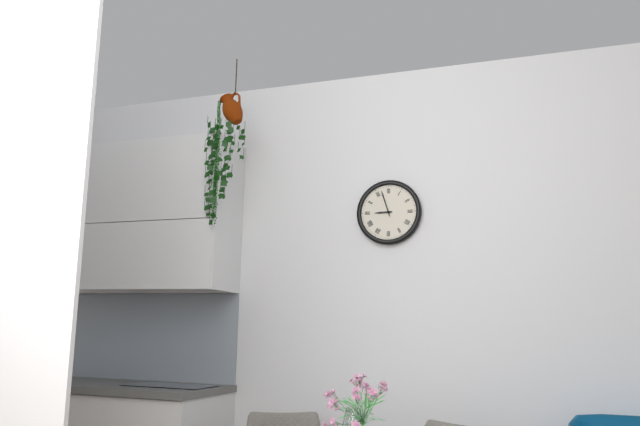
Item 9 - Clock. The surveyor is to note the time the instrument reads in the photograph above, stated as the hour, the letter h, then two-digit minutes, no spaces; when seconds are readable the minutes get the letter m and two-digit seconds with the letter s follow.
8h57
